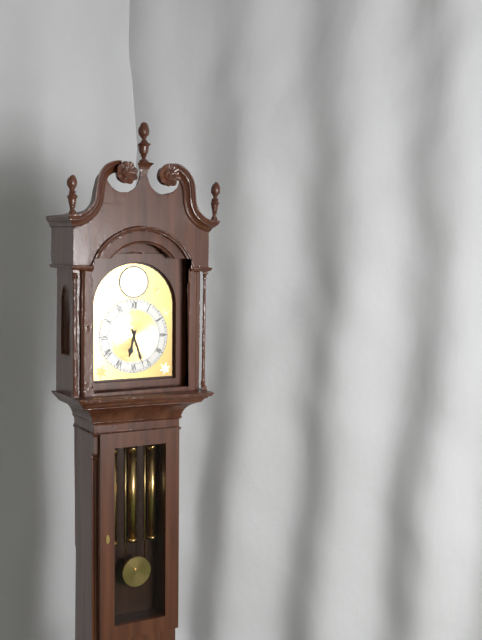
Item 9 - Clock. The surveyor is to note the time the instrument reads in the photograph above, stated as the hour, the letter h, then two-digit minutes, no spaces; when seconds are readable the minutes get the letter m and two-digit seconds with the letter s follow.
6h27
